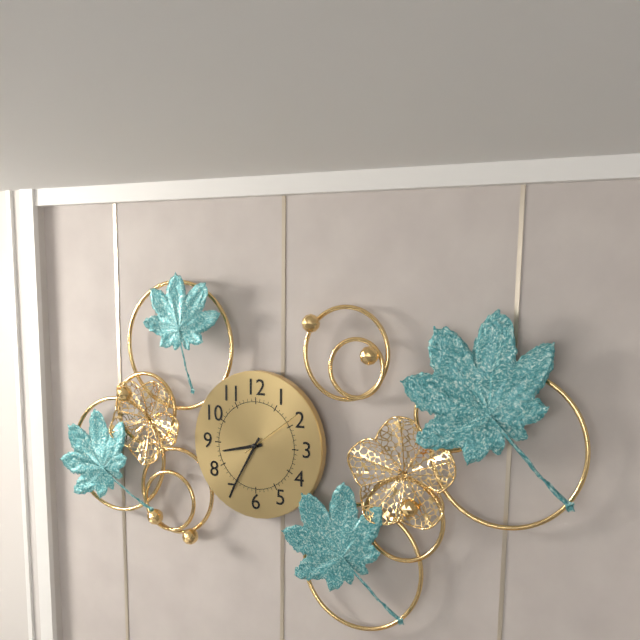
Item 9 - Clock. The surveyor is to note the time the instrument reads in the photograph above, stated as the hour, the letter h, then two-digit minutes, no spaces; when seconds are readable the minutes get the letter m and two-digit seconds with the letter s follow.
8h35m09s
